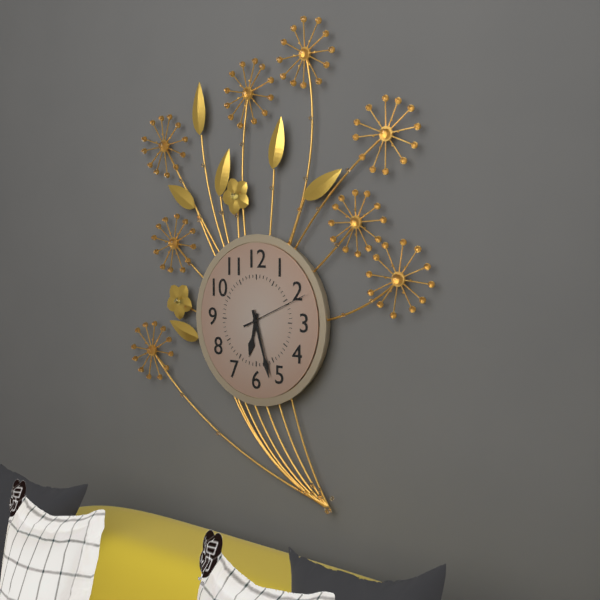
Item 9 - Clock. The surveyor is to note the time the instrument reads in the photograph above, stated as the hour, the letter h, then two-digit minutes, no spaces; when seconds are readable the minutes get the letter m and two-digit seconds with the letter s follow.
6h27m11s
